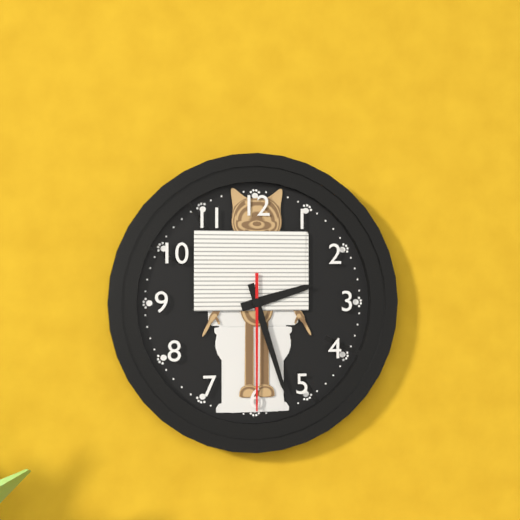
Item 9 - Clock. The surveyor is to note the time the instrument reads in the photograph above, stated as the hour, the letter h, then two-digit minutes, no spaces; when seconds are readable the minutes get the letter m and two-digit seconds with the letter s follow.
2h27m30s
